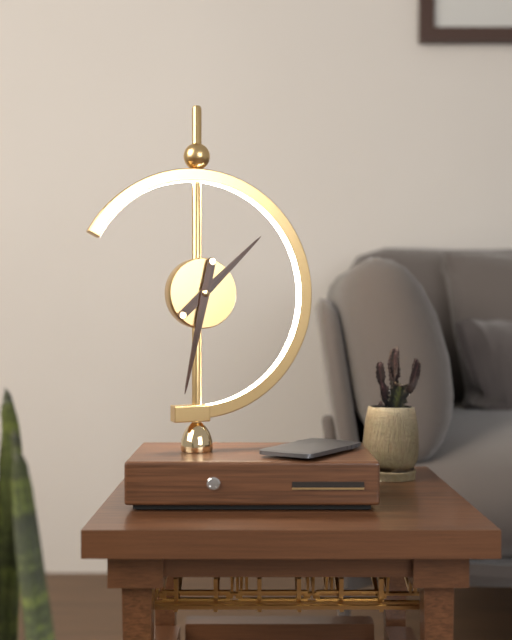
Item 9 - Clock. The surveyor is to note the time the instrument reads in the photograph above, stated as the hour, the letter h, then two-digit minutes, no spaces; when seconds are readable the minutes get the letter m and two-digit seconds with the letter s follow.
1h32
